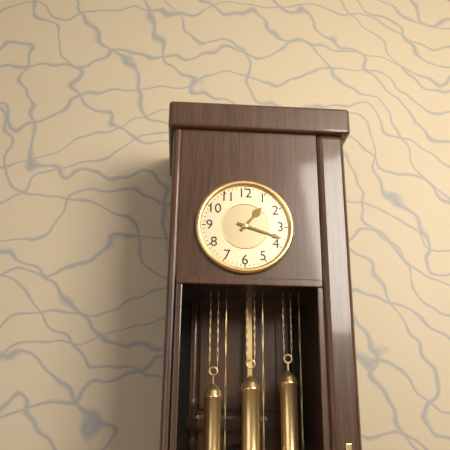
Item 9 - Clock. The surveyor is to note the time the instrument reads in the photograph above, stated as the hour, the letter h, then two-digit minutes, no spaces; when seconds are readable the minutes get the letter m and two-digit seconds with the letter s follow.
1h18
